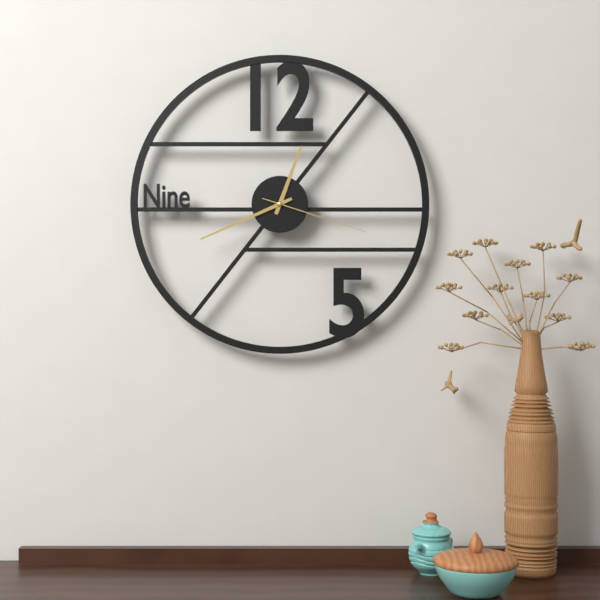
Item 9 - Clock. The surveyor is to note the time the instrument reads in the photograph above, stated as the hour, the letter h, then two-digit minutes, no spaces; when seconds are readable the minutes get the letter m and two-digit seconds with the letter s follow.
12h41m18s
